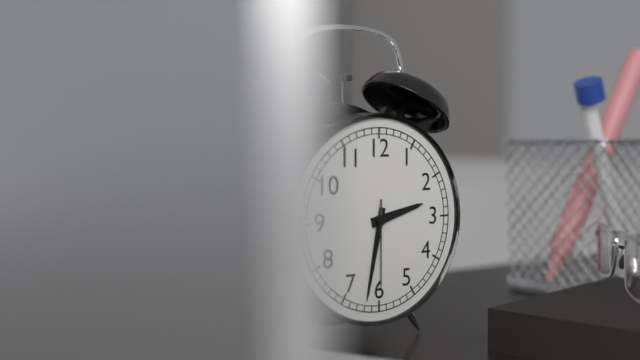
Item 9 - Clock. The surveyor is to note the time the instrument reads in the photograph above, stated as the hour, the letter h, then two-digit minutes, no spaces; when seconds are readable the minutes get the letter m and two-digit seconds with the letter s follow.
2h32m30s
